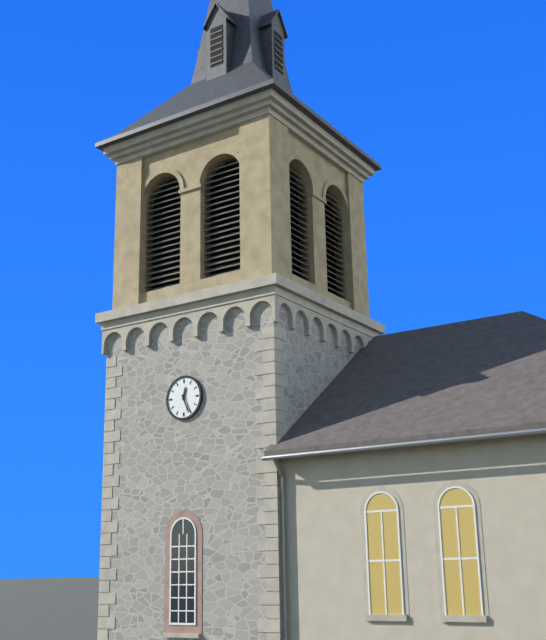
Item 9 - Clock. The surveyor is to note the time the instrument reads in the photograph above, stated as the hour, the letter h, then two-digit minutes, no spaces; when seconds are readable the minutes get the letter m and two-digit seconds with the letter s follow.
12h26
